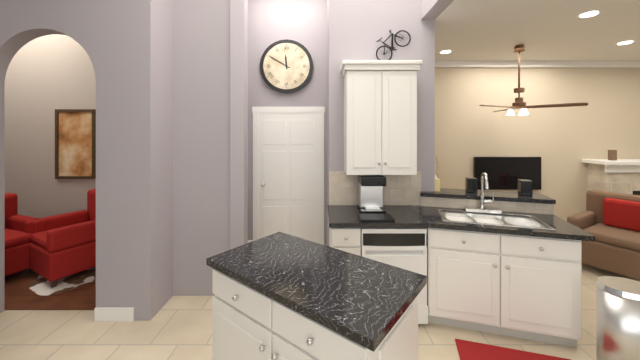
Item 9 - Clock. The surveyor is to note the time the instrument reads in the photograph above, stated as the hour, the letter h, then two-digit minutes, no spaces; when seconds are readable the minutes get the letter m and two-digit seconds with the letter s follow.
11h50
